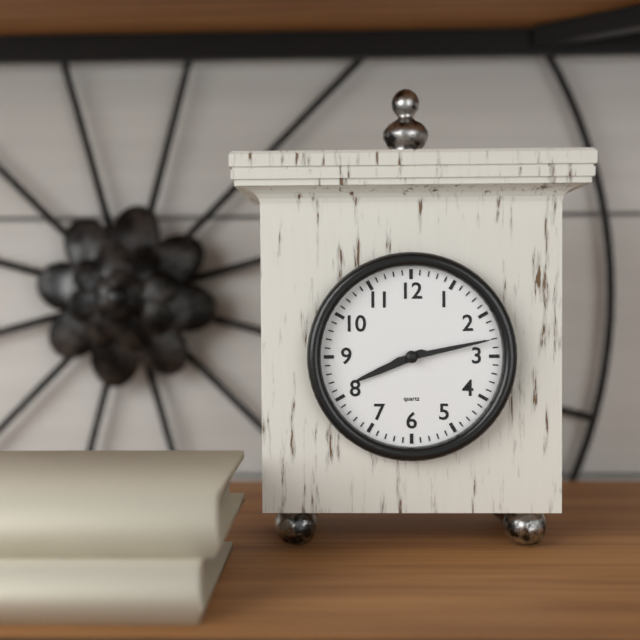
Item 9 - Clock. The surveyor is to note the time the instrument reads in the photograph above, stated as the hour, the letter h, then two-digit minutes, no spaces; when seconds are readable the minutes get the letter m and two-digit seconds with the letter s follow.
8h13
